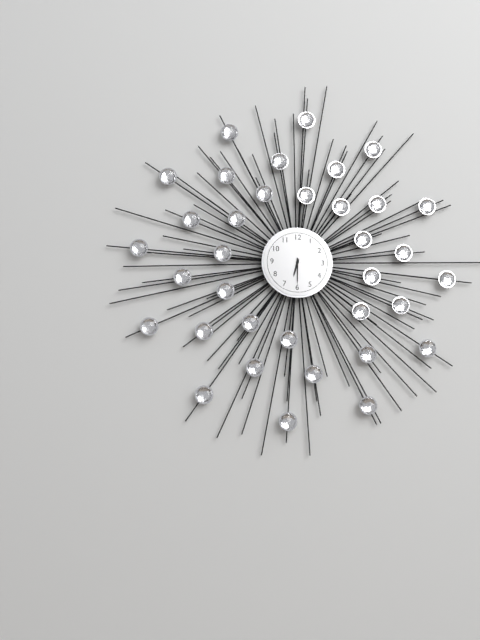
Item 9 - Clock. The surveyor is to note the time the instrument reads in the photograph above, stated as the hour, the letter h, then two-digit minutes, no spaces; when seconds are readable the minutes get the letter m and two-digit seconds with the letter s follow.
6h30
